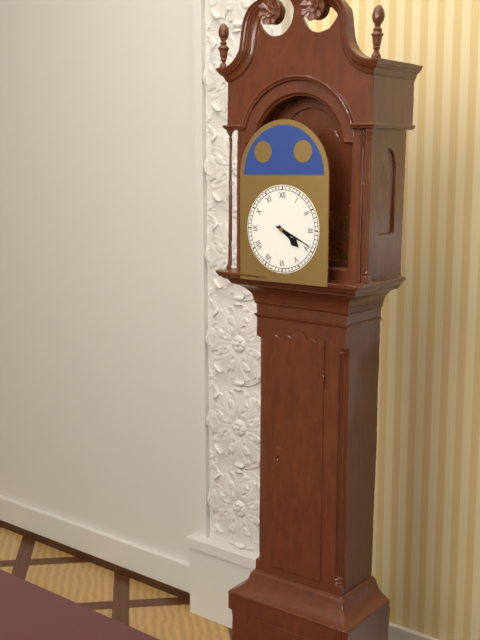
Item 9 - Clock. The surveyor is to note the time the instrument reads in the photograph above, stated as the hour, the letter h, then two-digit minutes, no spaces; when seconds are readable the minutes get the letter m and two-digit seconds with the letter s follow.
4h19
